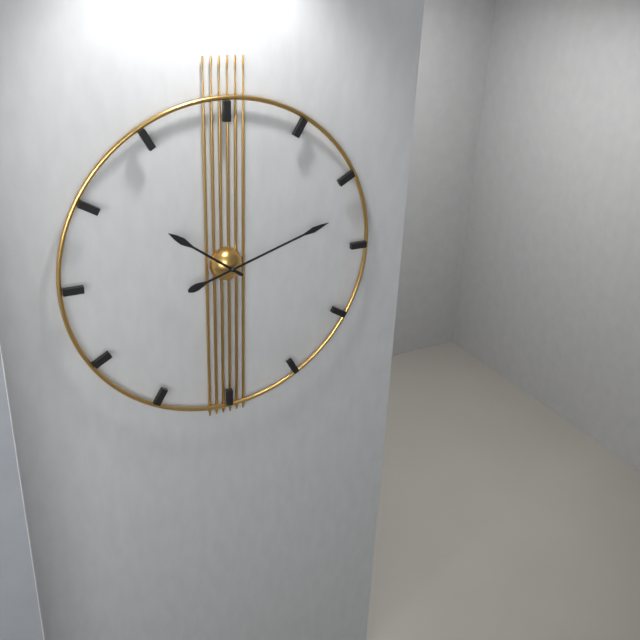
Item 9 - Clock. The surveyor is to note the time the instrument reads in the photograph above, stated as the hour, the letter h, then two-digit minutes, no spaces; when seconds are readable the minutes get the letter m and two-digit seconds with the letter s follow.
10h12
